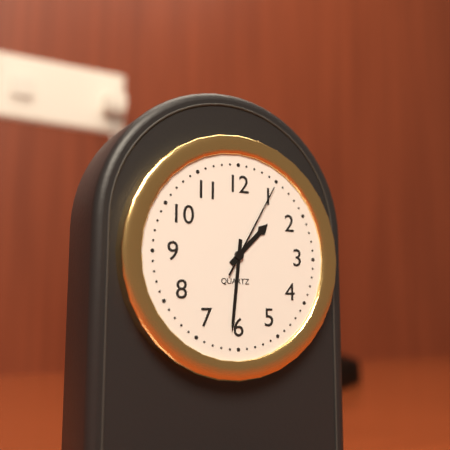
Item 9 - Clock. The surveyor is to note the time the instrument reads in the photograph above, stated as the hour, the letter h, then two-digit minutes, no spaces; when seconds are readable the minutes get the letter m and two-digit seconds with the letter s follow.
1h31m05s
